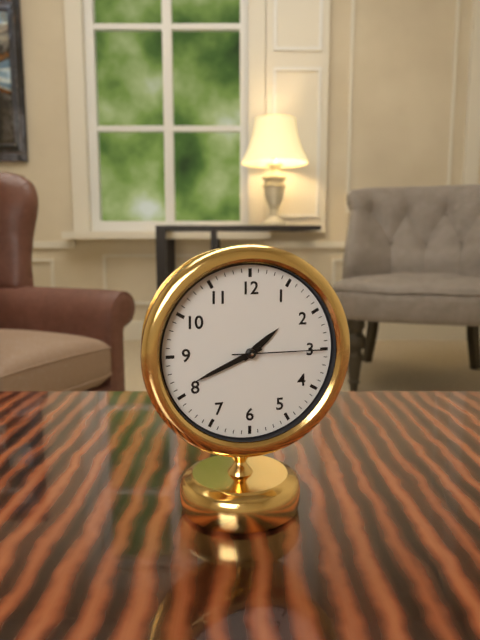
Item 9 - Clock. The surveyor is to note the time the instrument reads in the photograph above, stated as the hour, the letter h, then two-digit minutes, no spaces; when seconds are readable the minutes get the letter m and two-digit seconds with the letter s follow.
1h41m15s
